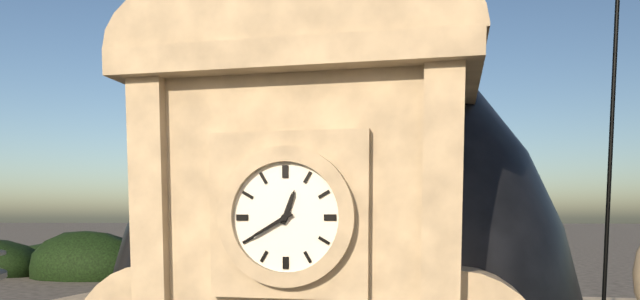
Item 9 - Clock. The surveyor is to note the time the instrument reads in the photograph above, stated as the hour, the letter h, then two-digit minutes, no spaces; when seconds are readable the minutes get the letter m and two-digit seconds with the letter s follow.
12h40
